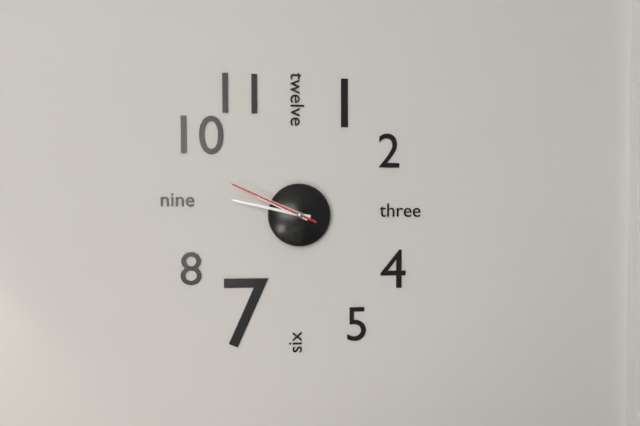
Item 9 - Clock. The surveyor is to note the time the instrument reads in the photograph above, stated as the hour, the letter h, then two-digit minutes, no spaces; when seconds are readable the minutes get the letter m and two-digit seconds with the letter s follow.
9h47m49s
